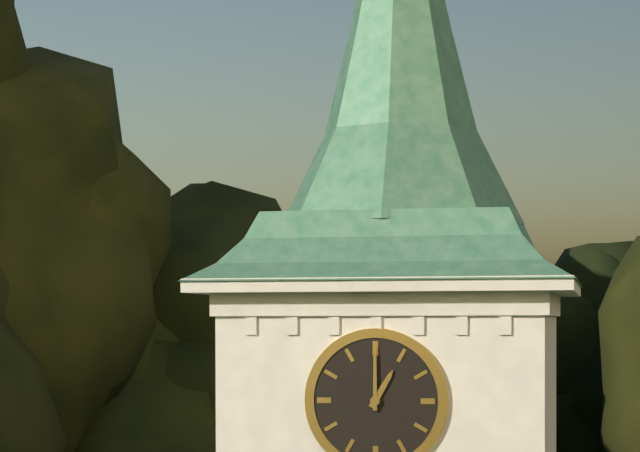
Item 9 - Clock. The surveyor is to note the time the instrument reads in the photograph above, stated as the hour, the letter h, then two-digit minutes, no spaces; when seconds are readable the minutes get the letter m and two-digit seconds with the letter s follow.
1h00
